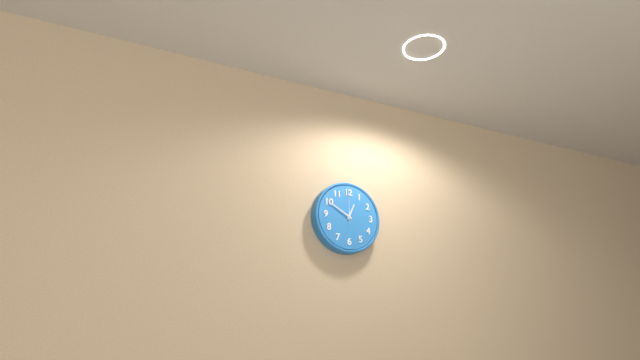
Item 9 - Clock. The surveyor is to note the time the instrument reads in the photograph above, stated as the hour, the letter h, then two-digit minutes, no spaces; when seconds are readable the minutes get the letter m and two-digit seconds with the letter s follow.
12h50
